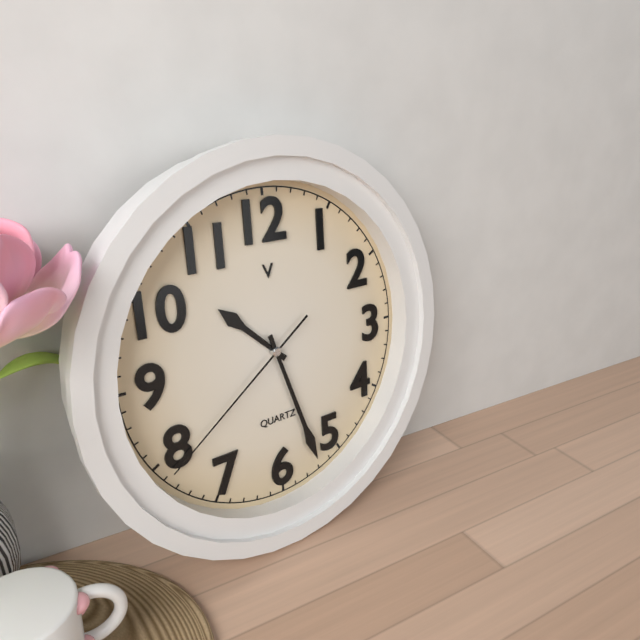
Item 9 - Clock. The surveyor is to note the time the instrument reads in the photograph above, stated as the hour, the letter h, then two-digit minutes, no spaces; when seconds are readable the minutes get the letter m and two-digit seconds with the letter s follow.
10h27m39s
